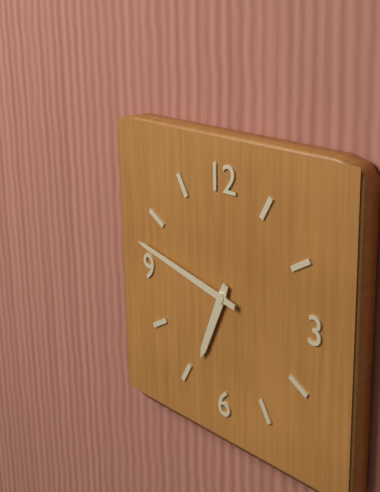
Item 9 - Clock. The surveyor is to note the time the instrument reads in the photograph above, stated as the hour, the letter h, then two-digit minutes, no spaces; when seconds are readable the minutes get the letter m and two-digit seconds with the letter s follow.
6h47
